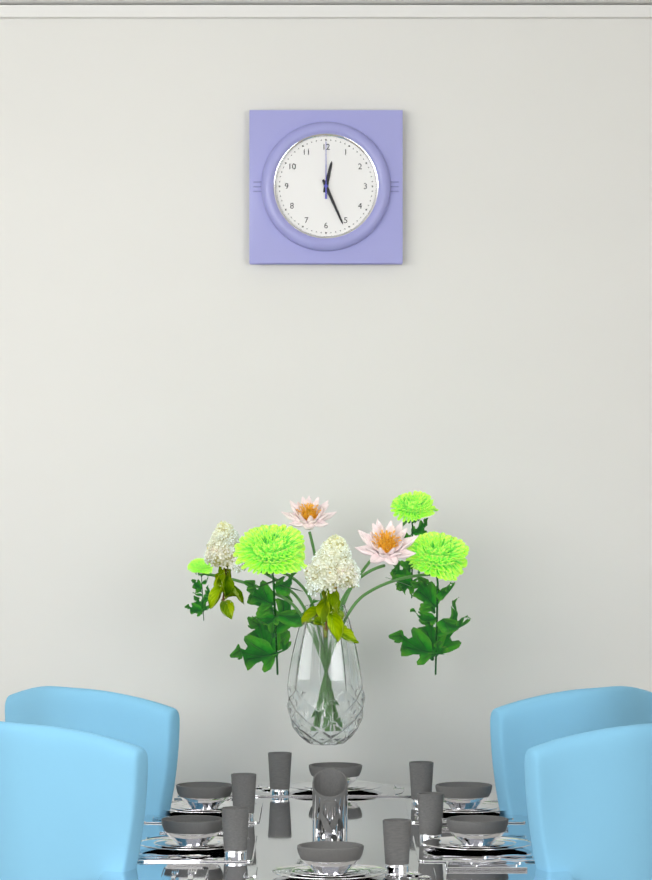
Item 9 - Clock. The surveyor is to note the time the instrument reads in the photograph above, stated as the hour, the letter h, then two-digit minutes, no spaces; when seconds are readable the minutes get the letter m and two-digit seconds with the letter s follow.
12h26m00s
